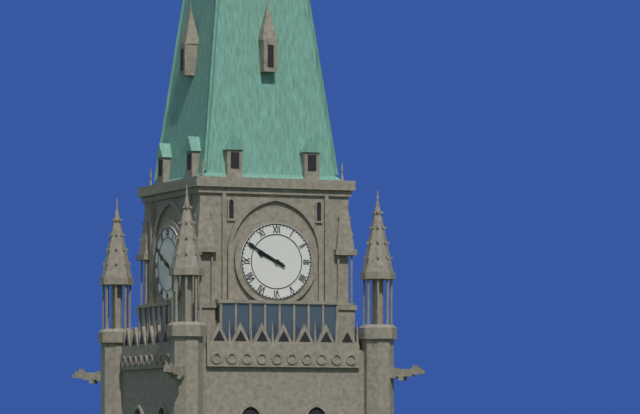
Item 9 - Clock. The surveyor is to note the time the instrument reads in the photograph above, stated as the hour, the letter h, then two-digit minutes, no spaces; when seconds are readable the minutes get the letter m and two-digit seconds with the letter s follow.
9h50
